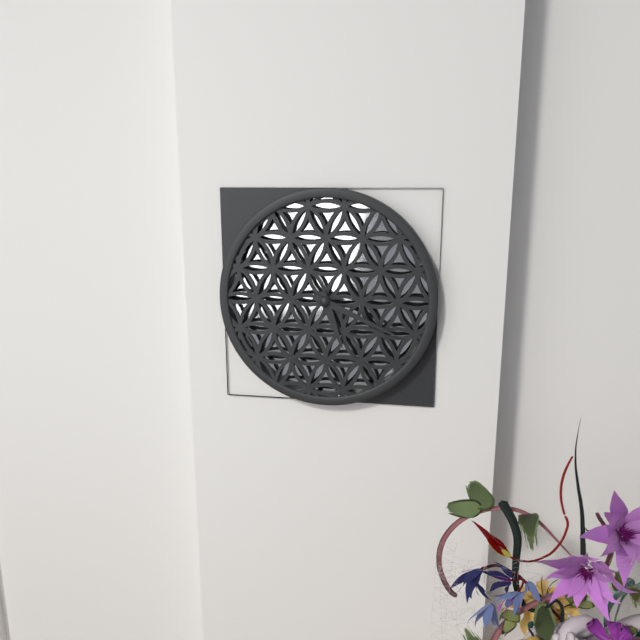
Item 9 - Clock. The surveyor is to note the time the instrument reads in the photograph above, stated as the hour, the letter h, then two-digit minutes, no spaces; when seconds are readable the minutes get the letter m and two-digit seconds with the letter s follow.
5h19
